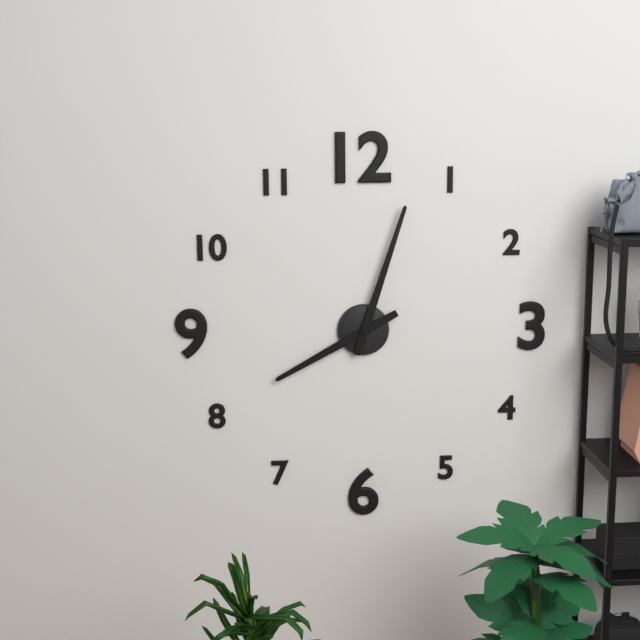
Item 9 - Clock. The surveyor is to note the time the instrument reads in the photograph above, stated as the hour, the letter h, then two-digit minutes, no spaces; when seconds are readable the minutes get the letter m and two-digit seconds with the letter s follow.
8h03
